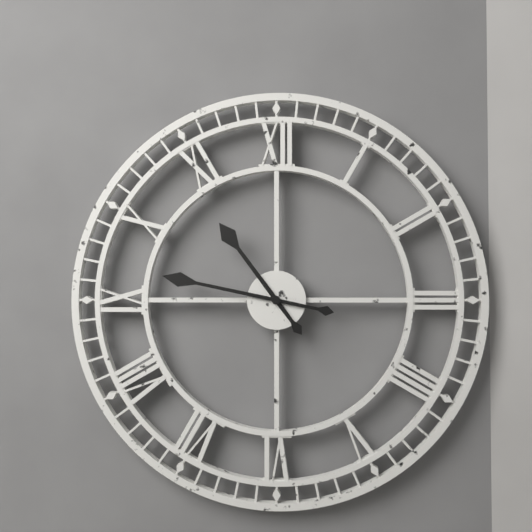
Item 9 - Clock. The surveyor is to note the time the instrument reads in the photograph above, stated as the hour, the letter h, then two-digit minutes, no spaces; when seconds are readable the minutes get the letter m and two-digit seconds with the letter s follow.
10h47
